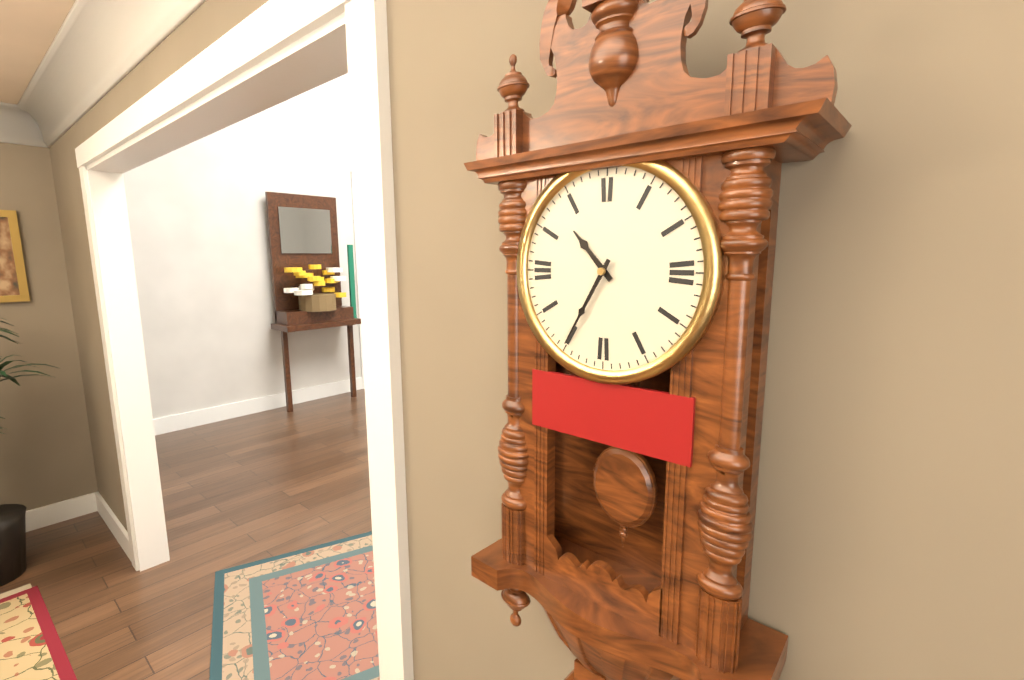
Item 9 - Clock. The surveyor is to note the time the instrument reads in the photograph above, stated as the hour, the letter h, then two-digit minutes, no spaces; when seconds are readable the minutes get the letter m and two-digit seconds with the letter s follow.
10h35
